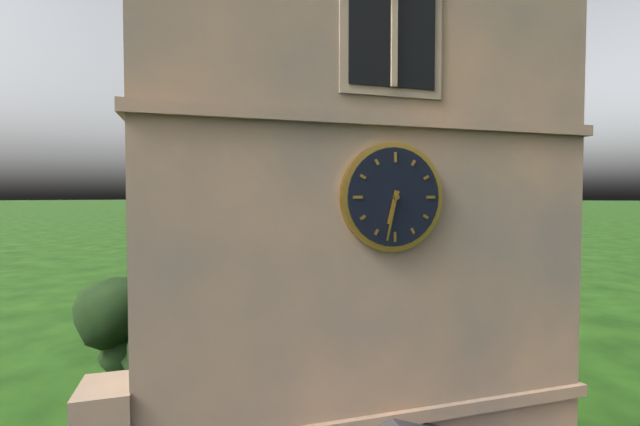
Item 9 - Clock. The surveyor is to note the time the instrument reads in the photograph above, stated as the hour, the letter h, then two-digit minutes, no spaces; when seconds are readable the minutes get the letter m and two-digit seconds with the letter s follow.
6h32
